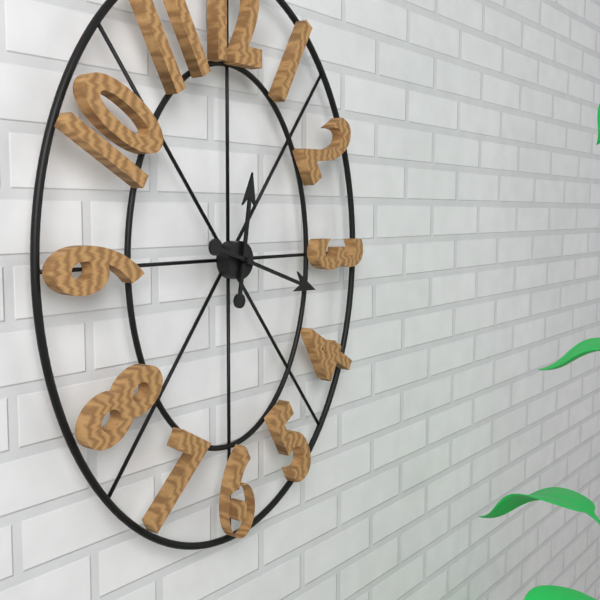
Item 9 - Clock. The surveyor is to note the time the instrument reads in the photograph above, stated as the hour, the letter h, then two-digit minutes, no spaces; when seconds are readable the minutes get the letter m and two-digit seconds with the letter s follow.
12h18
